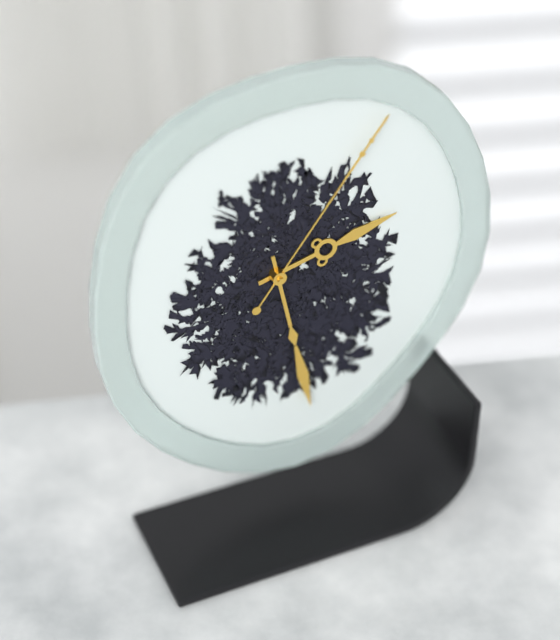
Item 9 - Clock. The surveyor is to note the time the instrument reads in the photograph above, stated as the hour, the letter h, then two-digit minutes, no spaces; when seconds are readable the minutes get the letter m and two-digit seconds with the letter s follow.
2h28m06s
